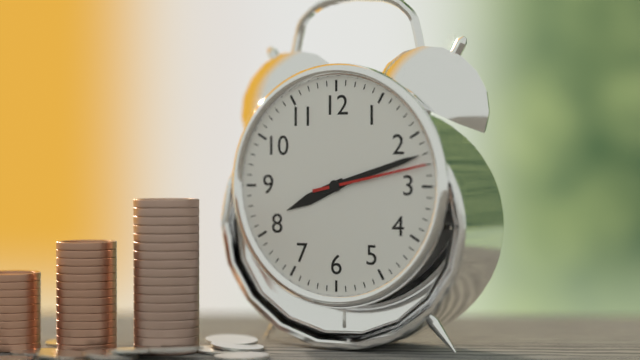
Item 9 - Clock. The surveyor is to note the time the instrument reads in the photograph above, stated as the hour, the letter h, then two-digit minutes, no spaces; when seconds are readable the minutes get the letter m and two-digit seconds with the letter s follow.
8h12m13s
